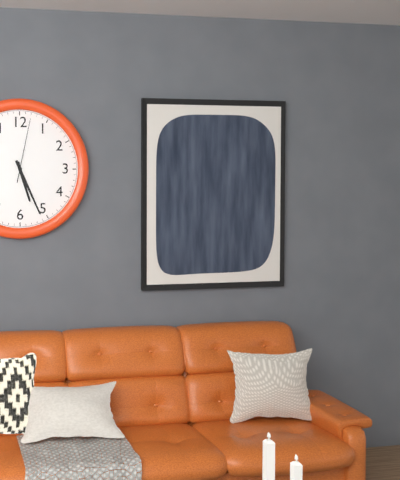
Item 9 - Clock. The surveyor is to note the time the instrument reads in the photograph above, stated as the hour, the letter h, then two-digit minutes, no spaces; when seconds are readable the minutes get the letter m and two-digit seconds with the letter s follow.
5h26m02s
